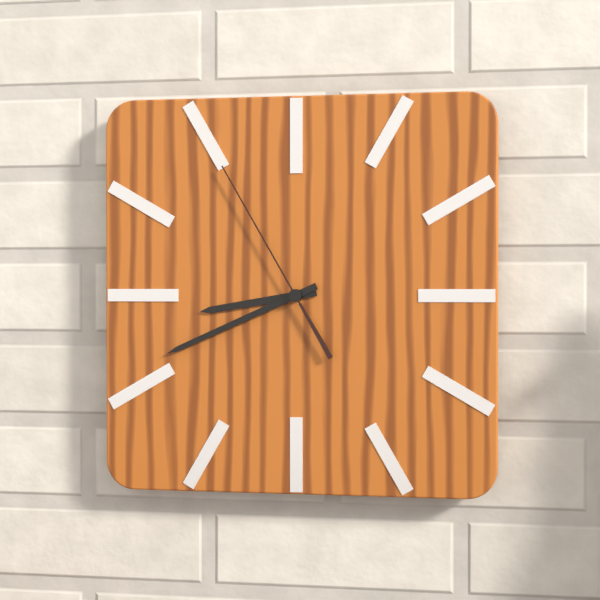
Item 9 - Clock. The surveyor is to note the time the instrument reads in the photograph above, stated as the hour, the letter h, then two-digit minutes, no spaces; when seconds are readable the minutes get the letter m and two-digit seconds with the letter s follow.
8h41m55s
